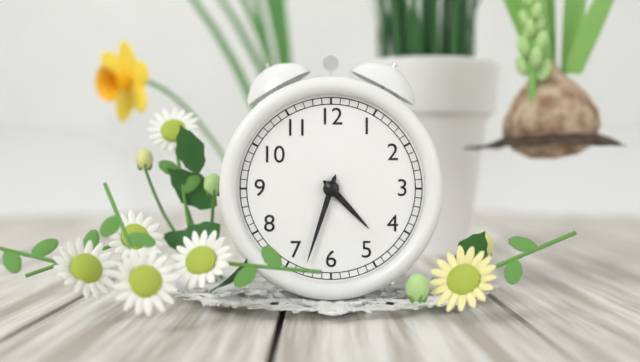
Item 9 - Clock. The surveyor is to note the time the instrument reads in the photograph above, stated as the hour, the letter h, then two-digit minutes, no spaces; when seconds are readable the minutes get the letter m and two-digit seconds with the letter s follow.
4h33
